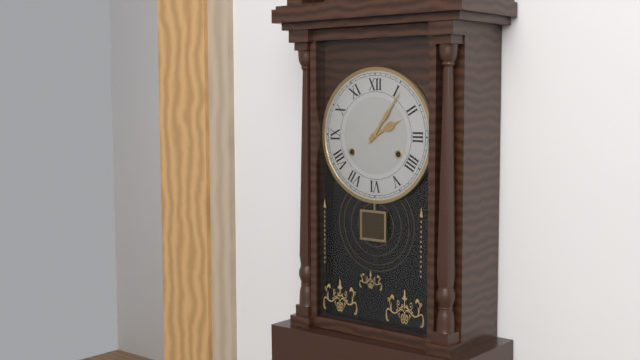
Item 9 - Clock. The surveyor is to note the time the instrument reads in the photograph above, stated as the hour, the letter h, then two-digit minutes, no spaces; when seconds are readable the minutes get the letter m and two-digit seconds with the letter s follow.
2h06
